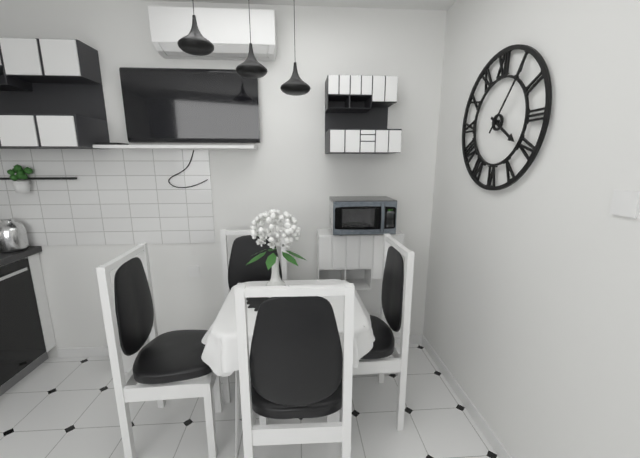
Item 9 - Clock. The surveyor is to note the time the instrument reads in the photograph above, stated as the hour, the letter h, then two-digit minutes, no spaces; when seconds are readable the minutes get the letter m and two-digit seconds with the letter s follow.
4h06
